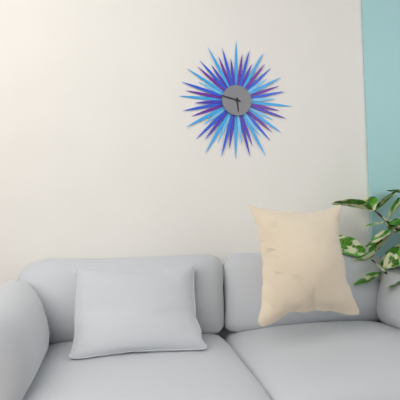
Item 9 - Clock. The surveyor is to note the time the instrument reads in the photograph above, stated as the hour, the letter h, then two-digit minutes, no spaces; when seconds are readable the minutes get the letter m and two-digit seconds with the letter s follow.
5h47
